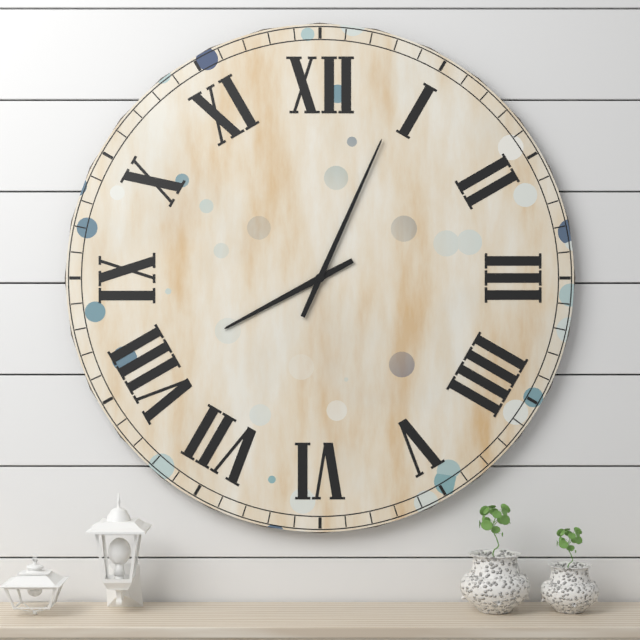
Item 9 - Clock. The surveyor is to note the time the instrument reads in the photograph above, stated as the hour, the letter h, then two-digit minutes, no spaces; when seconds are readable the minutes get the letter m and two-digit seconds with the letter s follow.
8h04
